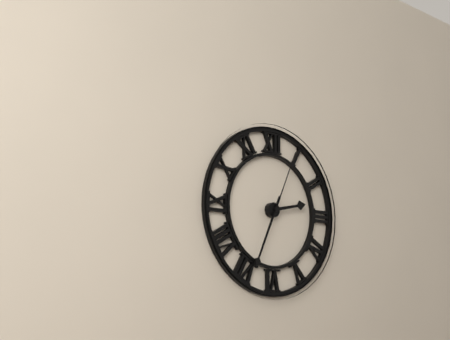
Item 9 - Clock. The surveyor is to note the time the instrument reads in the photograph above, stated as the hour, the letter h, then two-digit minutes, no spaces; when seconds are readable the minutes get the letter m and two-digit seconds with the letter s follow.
2h34m04s
